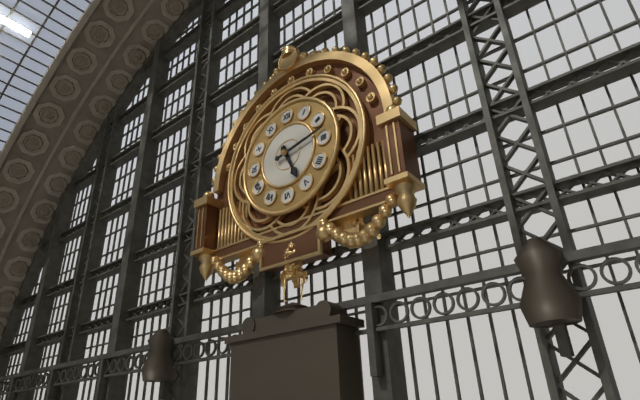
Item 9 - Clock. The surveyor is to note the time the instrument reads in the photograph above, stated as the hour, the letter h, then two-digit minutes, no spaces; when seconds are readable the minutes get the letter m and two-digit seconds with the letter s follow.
5h13
